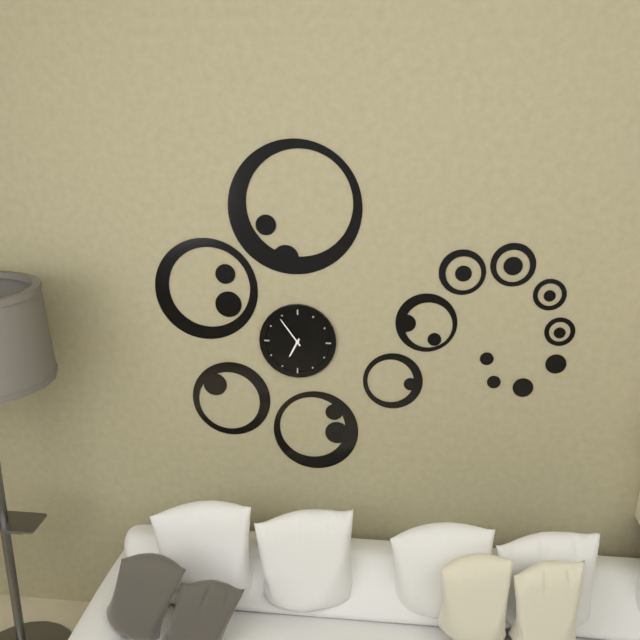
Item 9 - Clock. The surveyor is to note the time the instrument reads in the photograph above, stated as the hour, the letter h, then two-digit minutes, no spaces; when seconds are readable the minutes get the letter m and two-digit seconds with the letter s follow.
6h54
